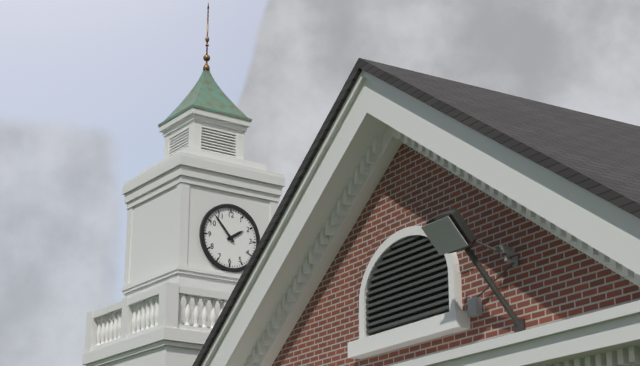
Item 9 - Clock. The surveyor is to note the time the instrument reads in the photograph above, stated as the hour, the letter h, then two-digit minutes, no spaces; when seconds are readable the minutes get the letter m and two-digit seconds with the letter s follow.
1h53
